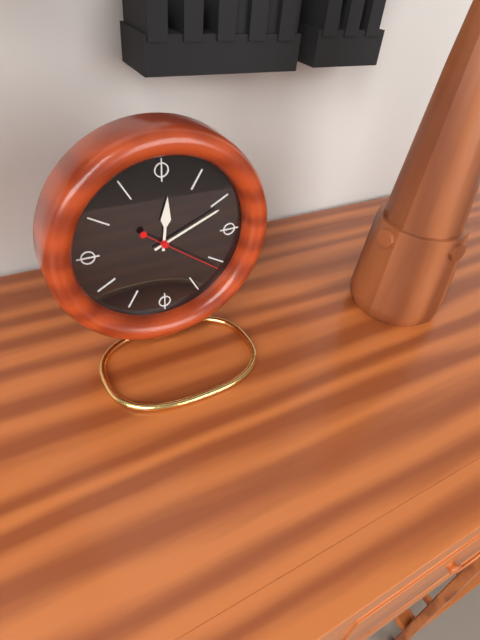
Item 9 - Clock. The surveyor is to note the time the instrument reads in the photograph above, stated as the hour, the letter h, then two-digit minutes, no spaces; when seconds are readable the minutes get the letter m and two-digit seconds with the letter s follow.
12h11m21s
